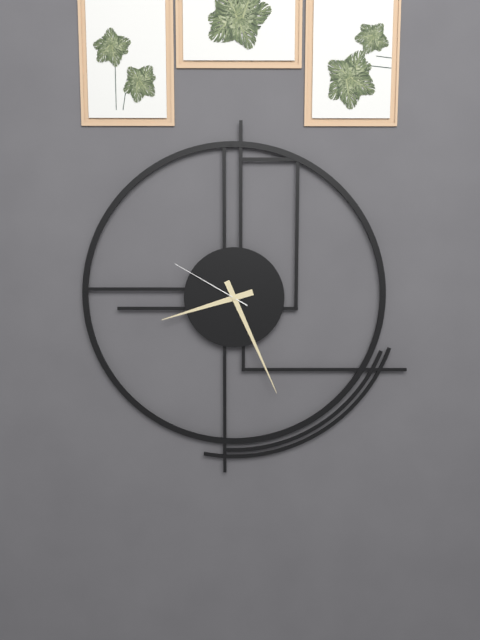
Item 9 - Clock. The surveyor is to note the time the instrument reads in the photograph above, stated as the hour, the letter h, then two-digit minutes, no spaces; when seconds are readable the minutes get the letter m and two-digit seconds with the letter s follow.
8h26m50s
